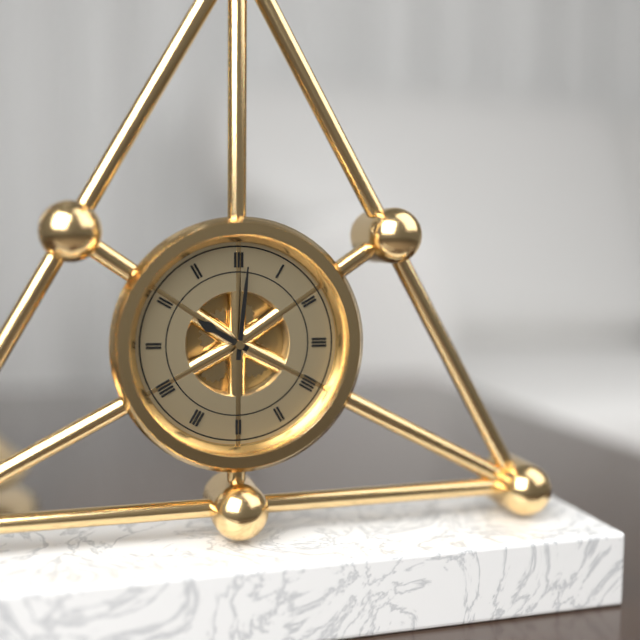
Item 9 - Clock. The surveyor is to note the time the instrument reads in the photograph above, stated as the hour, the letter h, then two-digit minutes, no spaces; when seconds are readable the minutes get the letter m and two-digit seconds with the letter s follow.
10h01
